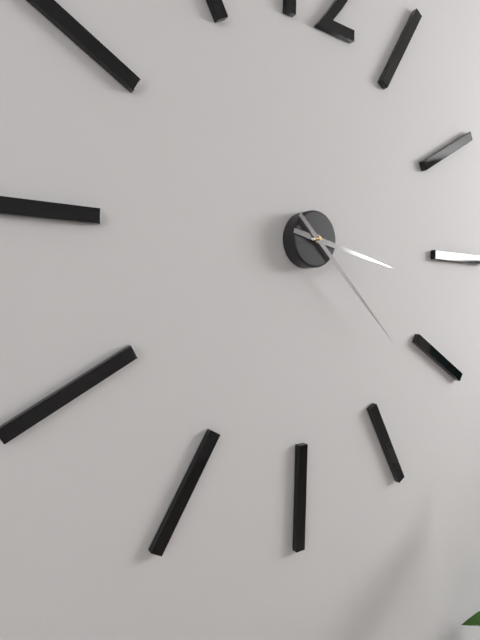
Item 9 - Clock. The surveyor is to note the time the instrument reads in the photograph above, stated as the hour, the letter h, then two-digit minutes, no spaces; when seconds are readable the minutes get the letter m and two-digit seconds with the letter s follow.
3h22
